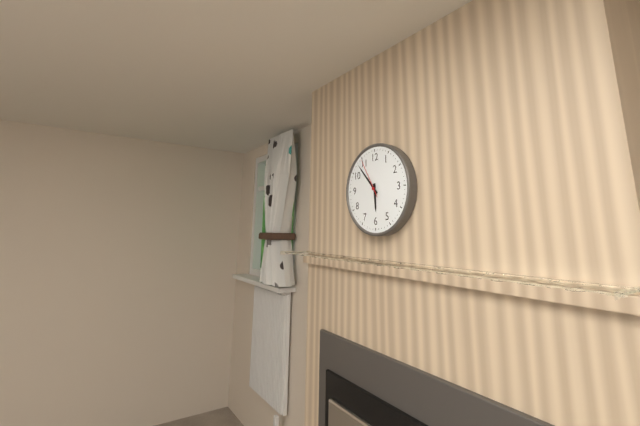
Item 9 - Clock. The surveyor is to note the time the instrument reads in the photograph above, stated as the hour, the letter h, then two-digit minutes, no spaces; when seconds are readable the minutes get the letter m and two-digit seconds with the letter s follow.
5h53
